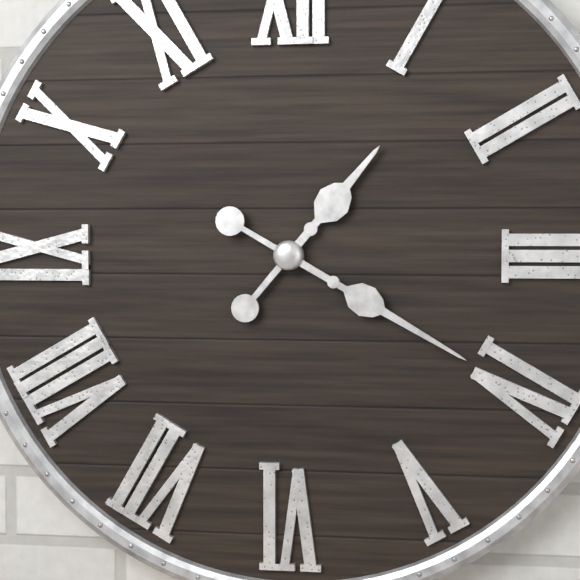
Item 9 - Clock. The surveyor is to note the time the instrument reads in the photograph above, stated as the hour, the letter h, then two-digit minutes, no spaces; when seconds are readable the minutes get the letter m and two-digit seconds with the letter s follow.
1h20
